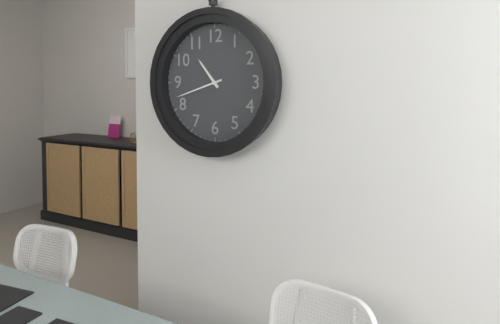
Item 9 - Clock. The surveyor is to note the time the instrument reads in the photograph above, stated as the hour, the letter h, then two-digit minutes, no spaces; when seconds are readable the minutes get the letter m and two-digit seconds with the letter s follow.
10h42
